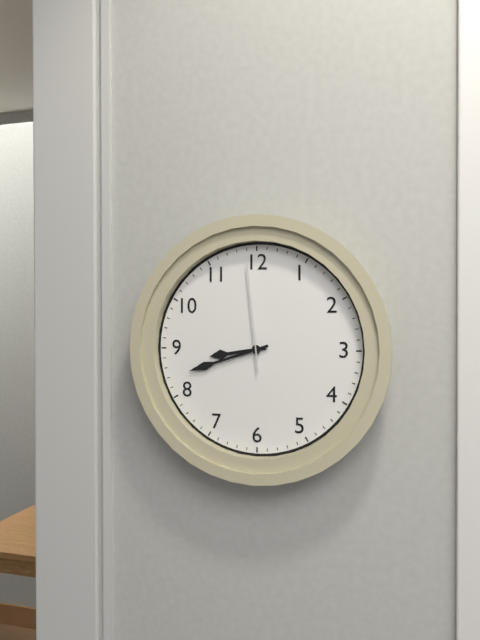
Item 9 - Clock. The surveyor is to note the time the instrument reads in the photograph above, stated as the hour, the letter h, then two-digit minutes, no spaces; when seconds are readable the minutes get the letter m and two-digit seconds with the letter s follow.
8h42m59s
